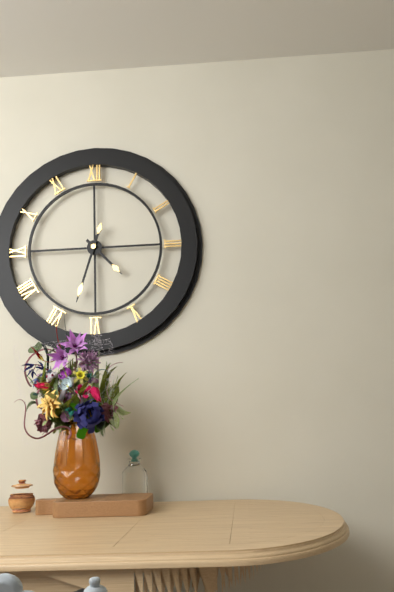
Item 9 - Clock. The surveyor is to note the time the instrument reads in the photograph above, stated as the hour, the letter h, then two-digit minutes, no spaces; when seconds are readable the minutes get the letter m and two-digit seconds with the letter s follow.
4h33
